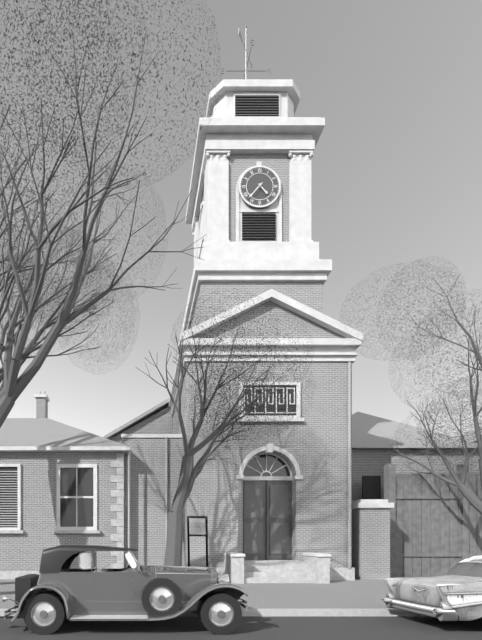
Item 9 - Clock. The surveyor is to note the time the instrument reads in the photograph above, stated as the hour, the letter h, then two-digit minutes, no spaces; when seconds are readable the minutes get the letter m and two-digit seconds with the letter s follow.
4h37
